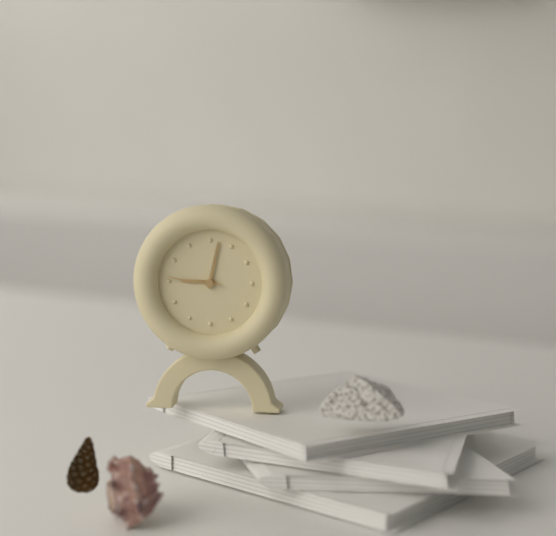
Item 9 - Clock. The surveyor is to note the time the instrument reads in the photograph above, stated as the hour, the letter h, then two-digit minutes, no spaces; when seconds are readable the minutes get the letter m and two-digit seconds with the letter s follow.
9h02m46s
